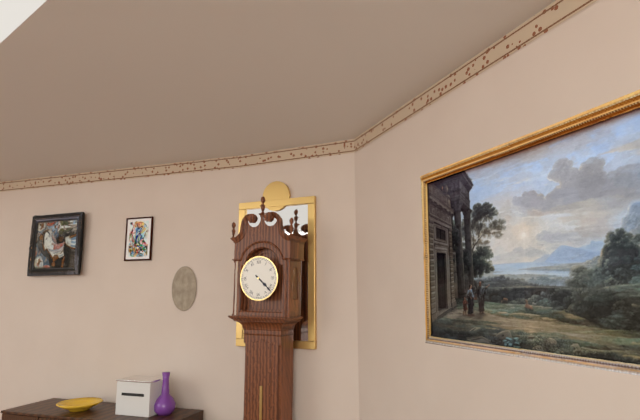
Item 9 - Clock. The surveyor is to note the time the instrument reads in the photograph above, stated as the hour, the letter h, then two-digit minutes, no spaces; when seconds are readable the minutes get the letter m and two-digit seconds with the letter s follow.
4h22
